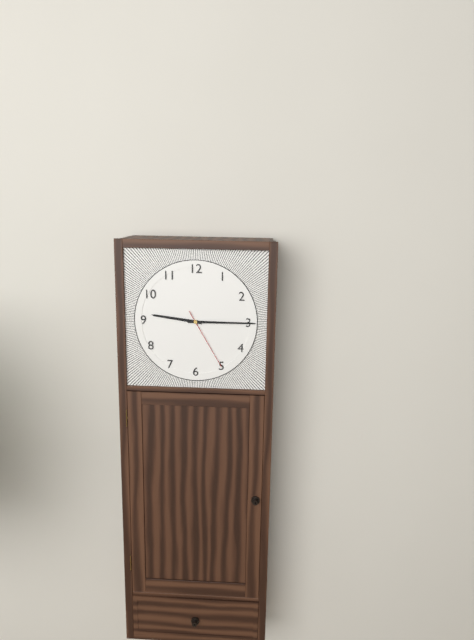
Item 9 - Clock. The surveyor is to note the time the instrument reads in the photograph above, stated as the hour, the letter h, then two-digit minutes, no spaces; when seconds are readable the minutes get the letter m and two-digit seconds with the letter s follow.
9h15m25s
